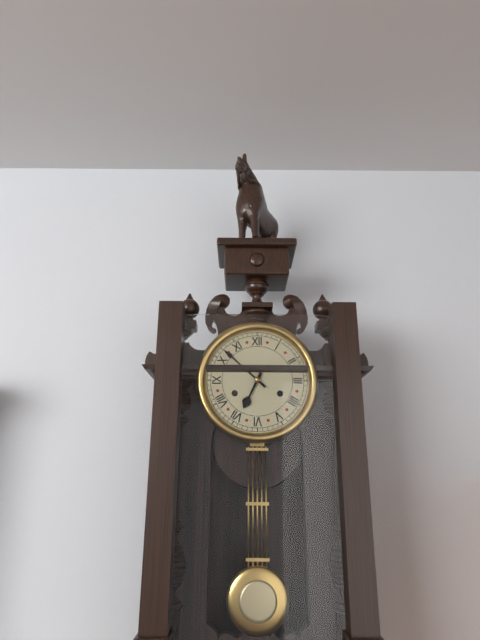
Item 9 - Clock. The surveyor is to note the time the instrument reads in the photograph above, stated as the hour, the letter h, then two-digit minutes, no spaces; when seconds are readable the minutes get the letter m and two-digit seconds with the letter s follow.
6h52
